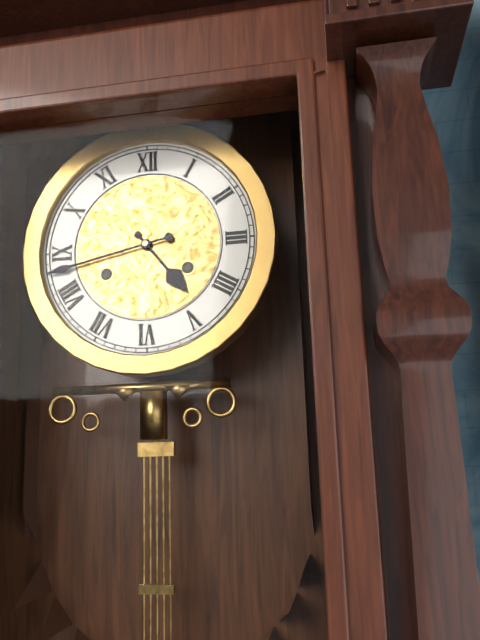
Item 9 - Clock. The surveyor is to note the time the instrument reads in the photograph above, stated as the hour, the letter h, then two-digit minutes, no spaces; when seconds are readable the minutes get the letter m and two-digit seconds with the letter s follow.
4h43
